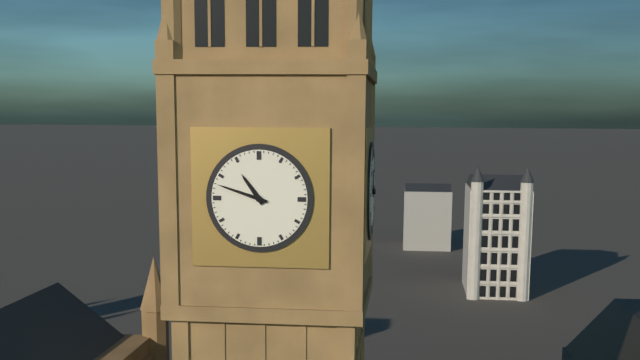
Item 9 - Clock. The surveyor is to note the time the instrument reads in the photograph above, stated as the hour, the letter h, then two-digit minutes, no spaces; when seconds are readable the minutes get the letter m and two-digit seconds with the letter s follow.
10h48
